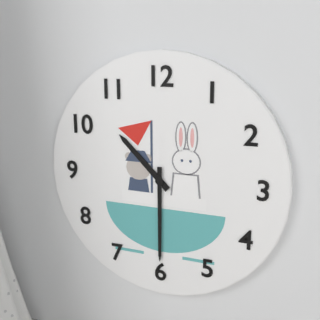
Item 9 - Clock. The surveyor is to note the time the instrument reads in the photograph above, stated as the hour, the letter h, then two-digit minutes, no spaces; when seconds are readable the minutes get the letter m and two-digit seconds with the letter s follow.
10h30
